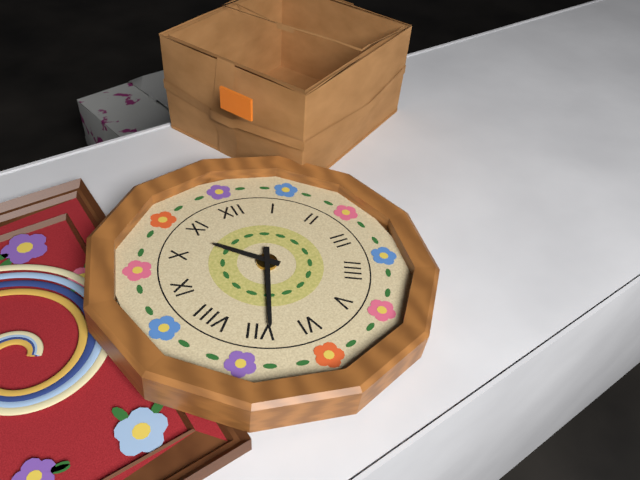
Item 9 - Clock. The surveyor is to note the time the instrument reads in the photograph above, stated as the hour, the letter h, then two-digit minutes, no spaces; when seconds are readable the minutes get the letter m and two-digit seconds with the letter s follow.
10h34
